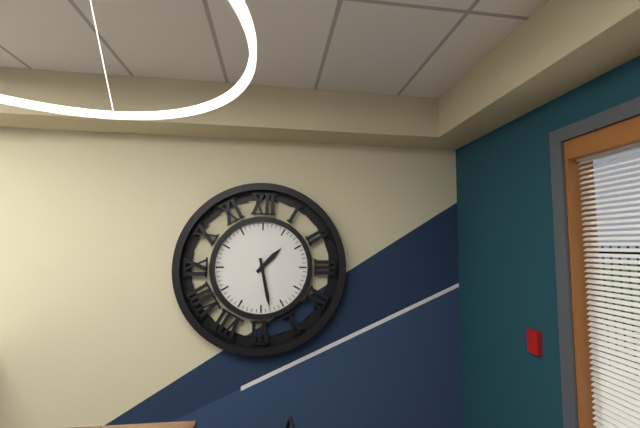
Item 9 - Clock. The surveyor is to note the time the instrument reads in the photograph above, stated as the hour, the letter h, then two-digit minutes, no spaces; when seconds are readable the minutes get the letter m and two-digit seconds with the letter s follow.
1h28
